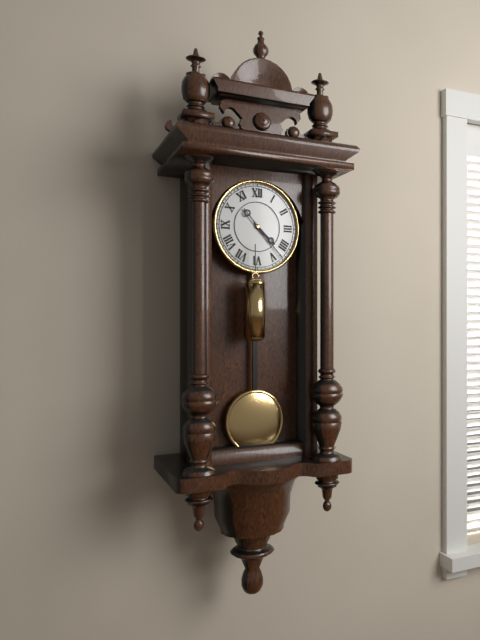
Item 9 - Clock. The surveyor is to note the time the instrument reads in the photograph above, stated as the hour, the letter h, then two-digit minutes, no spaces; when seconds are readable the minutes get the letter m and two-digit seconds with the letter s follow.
4h23
